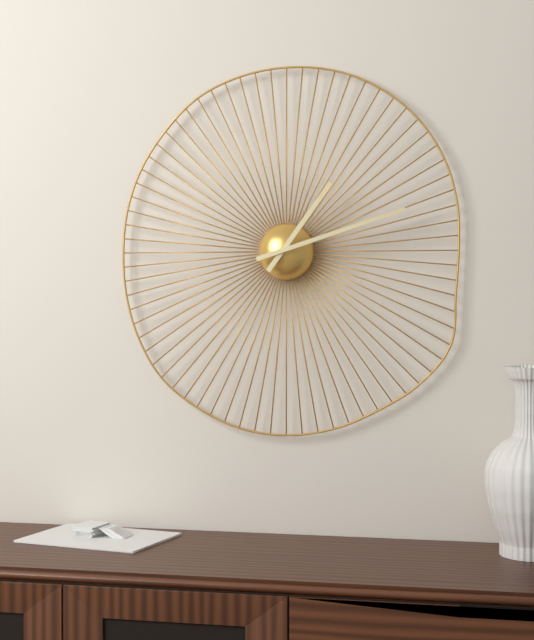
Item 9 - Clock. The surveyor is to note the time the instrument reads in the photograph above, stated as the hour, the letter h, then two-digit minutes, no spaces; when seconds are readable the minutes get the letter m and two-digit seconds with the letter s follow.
1h12
